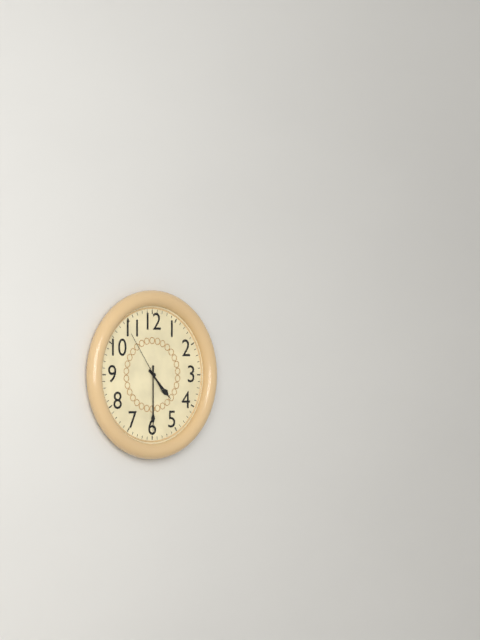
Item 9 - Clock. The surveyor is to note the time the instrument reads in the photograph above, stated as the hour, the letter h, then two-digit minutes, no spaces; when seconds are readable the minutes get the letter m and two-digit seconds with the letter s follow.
4h30m54s
